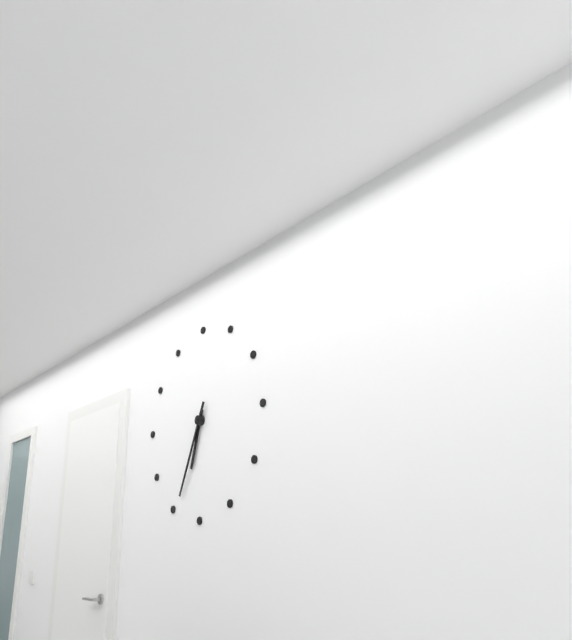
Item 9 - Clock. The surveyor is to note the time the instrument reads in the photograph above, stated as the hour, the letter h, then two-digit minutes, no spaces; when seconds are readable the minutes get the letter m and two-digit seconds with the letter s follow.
6h34
